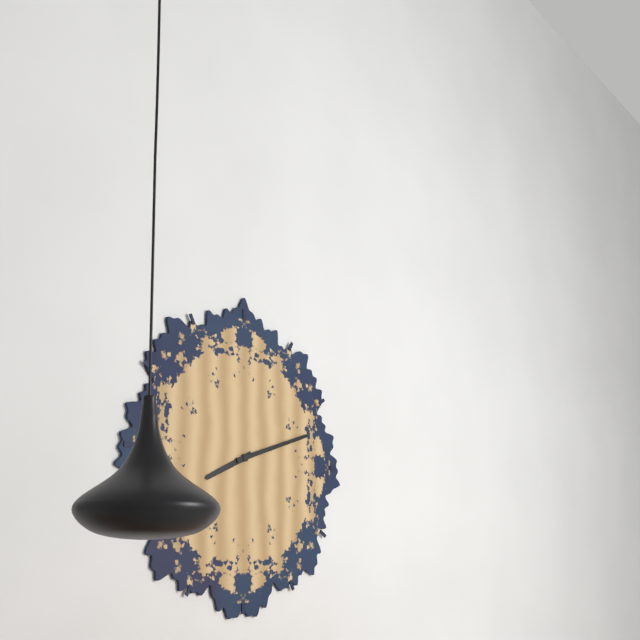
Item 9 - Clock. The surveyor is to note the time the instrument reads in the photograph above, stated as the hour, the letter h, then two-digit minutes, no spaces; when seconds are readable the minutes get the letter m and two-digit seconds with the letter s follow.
8h12
